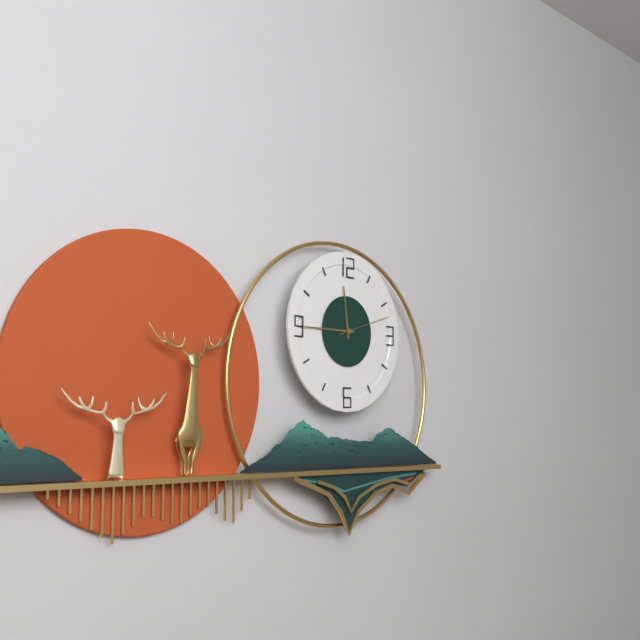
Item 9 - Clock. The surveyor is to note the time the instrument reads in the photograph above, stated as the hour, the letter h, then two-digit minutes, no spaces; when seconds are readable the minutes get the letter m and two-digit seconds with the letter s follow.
11h45m12s
